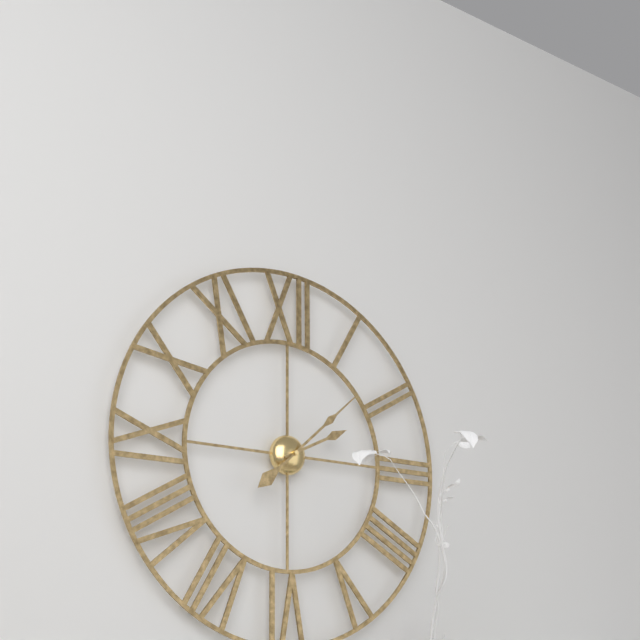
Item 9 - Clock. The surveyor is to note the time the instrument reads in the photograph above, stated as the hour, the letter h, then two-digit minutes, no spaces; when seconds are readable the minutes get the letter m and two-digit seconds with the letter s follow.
2h08
